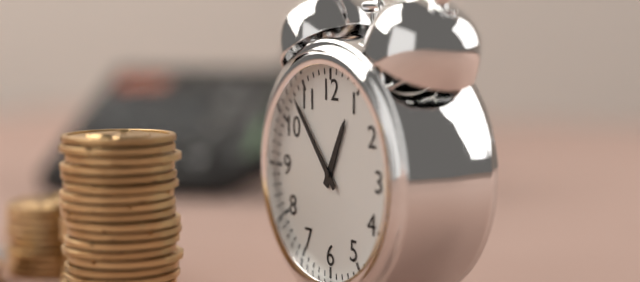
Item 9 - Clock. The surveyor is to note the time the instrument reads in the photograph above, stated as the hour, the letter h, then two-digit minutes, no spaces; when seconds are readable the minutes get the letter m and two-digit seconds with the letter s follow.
12h53
